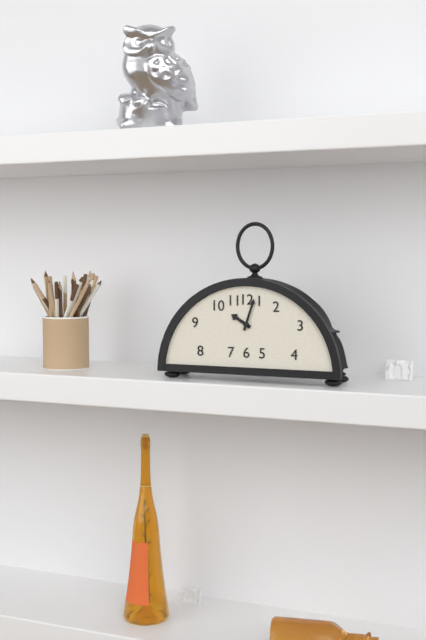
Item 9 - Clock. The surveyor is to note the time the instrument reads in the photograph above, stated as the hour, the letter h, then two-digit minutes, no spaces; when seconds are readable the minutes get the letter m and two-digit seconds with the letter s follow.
10h03
